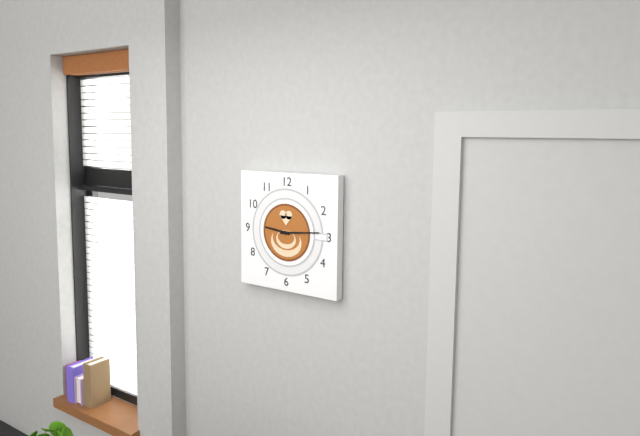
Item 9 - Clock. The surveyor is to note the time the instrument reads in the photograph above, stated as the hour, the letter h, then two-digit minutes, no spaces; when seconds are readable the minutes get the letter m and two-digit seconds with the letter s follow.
9h14
